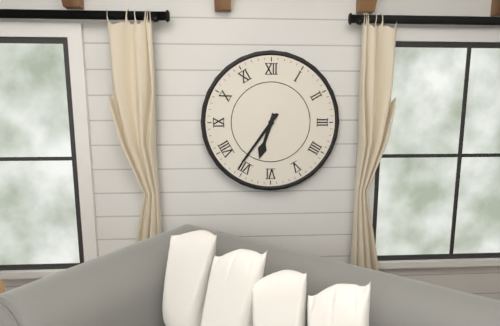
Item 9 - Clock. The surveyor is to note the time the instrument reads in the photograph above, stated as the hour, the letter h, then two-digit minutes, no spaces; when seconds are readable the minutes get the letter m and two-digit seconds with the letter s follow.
6h36
